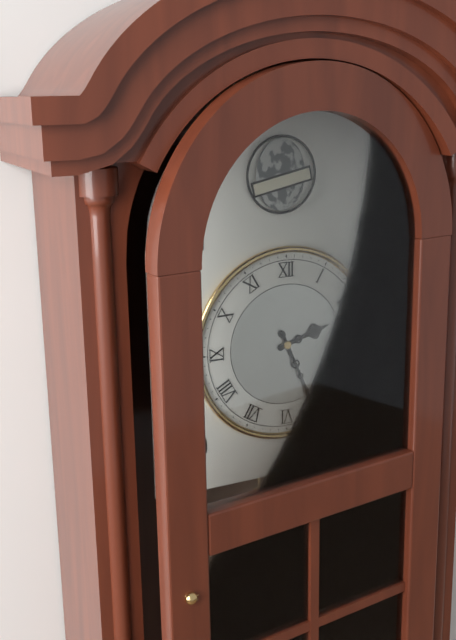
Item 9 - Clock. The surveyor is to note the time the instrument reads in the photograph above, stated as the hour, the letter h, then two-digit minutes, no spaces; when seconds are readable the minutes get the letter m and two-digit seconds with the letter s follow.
2h26
